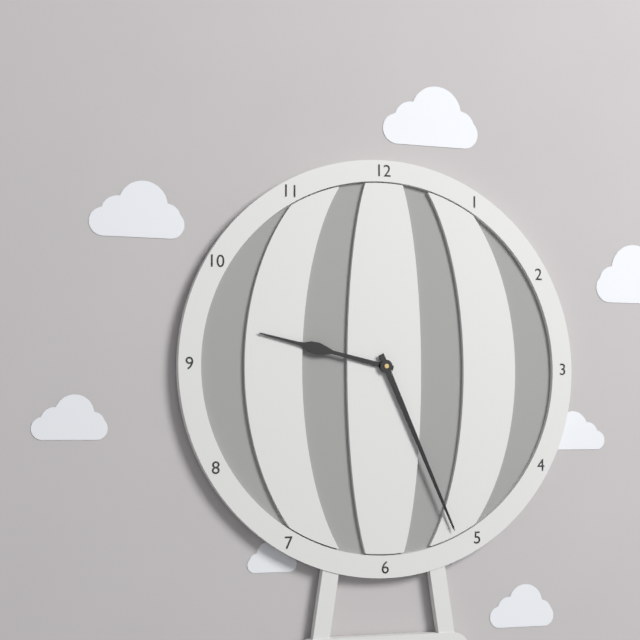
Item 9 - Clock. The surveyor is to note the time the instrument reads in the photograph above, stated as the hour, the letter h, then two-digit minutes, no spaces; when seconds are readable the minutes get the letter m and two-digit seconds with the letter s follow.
9h26
